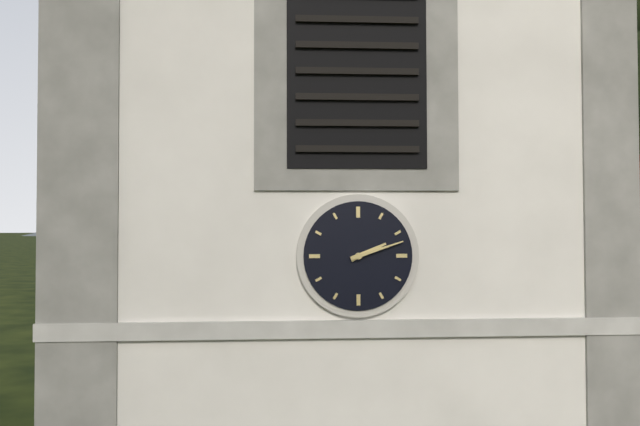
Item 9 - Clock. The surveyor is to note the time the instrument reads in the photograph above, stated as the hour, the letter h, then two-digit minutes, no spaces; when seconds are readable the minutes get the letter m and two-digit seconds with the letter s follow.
2h12
